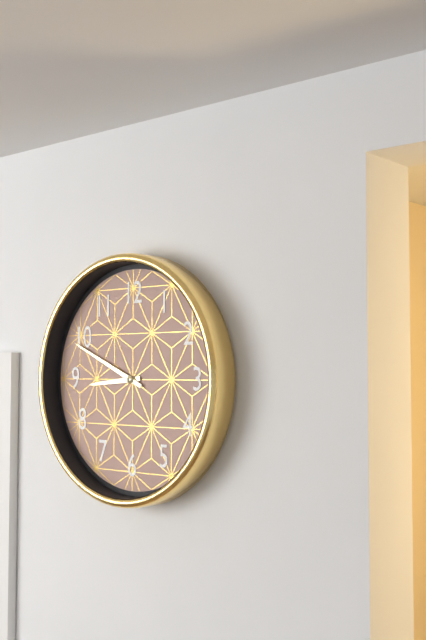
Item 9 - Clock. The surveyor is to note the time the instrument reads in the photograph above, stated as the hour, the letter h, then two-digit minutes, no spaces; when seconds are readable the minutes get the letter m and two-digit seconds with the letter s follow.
8h49
